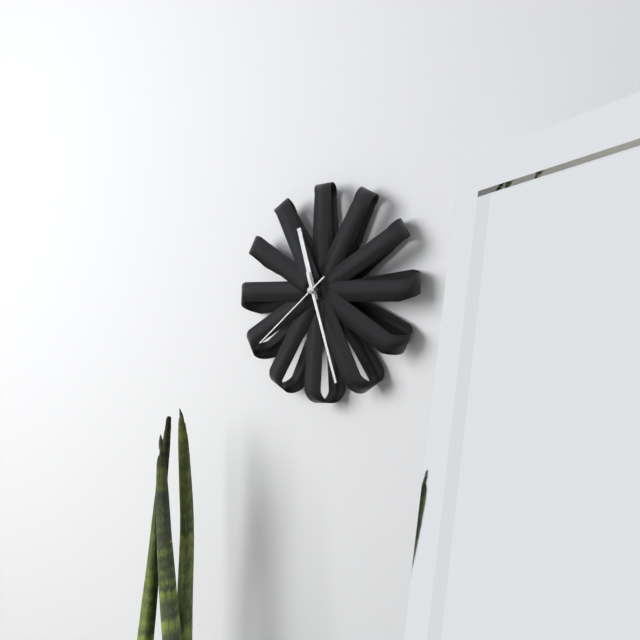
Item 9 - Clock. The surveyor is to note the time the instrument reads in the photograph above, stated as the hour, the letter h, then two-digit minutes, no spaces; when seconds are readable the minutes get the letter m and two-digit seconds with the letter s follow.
11h27m39s
